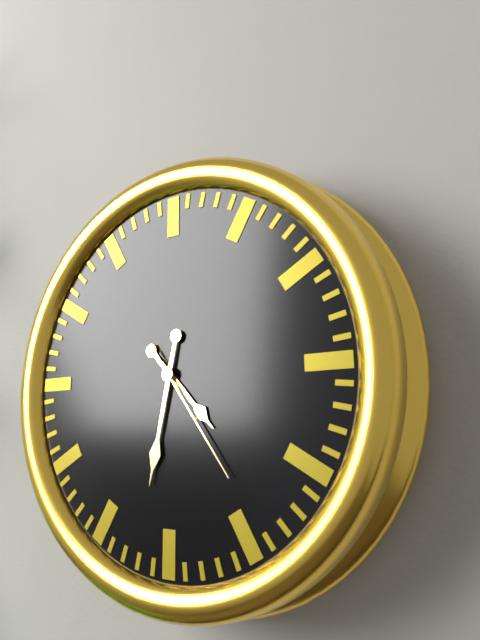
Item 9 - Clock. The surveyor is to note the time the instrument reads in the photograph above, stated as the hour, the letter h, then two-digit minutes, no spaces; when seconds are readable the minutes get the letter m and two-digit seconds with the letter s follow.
4h32m24s
